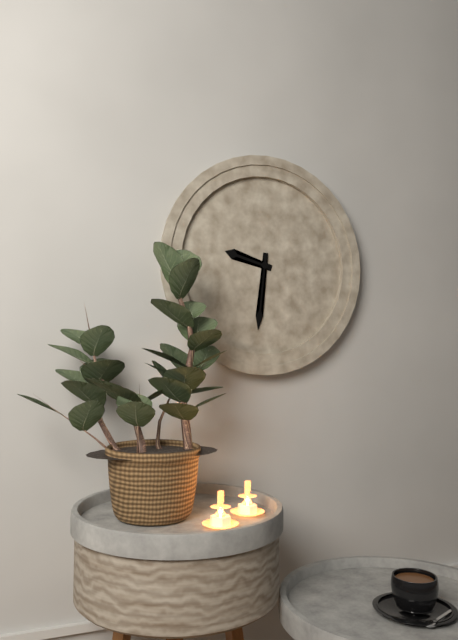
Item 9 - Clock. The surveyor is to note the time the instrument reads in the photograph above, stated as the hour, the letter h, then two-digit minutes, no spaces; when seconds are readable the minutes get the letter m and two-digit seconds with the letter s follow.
9h31
